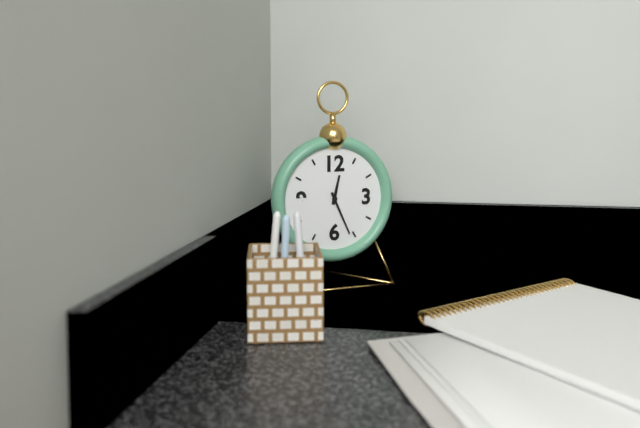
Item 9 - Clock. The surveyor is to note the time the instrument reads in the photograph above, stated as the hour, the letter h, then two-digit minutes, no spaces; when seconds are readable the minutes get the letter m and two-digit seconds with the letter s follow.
12h26
